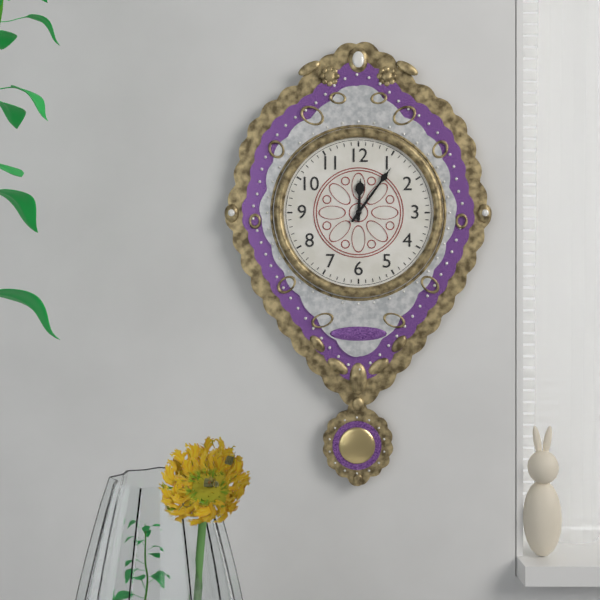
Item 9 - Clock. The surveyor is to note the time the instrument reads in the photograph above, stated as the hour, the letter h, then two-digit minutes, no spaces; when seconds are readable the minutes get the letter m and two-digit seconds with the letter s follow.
12h06
